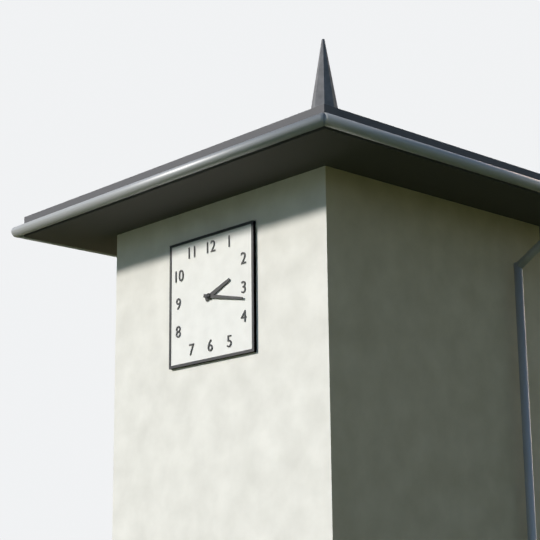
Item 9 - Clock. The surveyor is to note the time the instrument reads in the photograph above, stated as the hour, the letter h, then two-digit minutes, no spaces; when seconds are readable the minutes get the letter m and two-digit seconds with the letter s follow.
2h17
